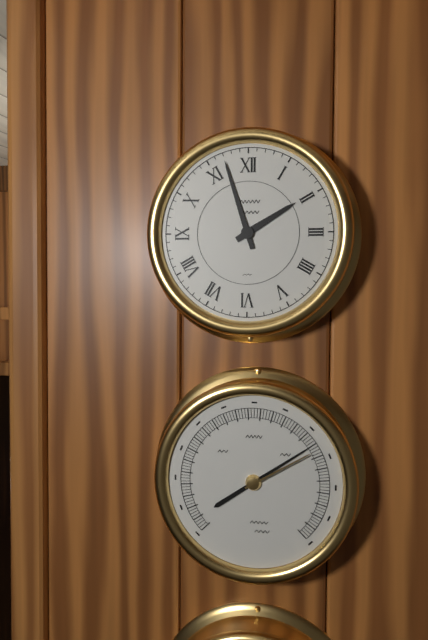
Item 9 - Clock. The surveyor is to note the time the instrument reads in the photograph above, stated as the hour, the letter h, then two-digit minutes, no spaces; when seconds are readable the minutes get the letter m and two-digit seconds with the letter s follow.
1h57
